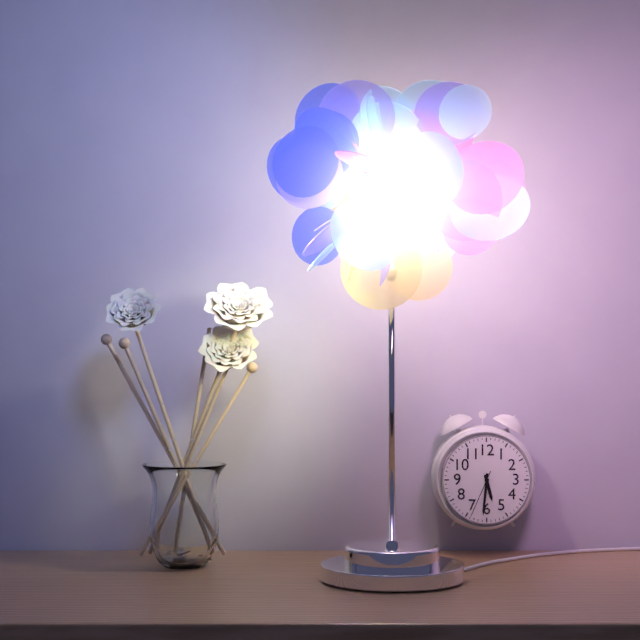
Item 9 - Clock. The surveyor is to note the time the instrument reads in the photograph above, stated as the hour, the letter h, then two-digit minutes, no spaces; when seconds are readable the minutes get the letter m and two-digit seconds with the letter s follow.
5h31
